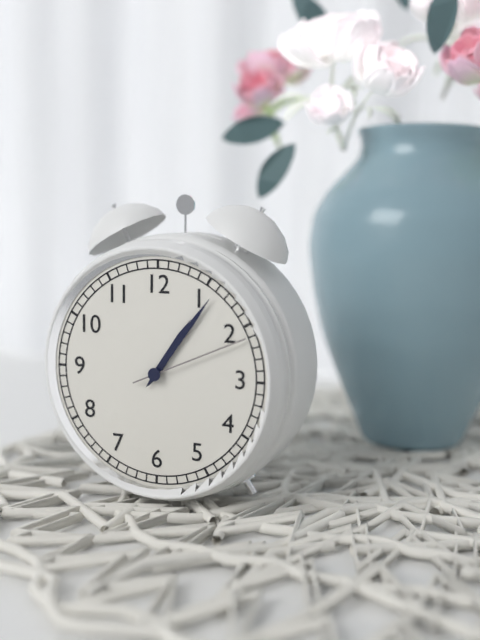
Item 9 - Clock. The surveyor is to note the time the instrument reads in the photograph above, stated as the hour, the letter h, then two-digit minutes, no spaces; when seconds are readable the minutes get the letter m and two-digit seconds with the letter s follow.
1h06m11s
